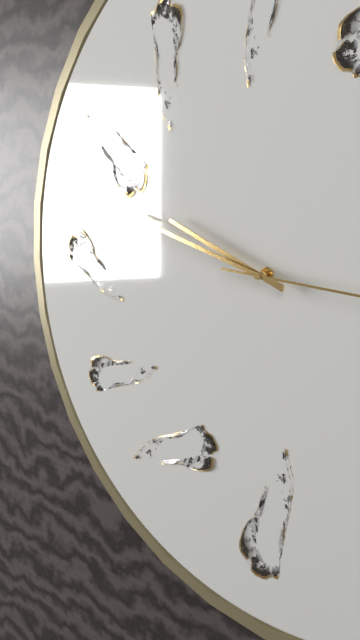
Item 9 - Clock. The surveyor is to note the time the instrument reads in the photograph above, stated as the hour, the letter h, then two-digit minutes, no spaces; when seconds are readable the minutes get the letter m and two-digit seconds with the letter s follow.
9h48
